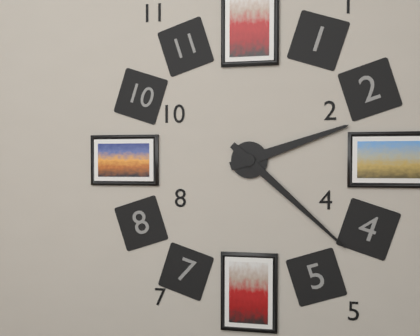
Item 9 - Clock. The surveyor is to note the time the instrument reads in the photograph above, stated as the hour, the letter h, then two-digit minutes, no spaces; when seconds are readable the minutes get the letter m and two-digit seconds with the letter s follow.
2h22
